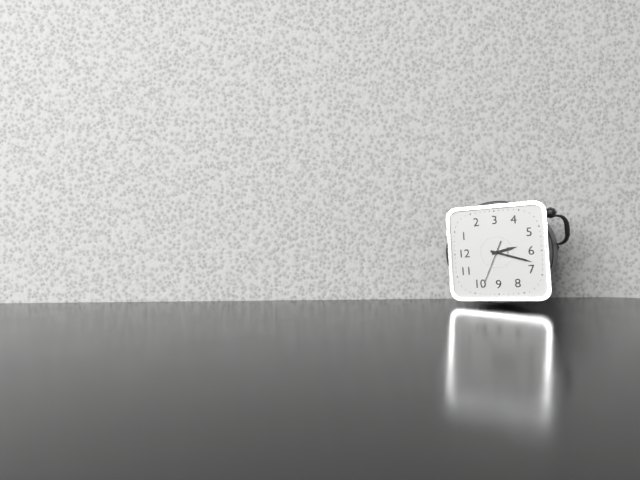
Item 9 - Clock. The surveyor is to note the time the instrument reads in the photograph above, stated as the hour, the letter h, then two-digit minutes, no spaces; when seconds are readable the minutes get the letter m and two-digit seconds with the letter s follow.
5h33
